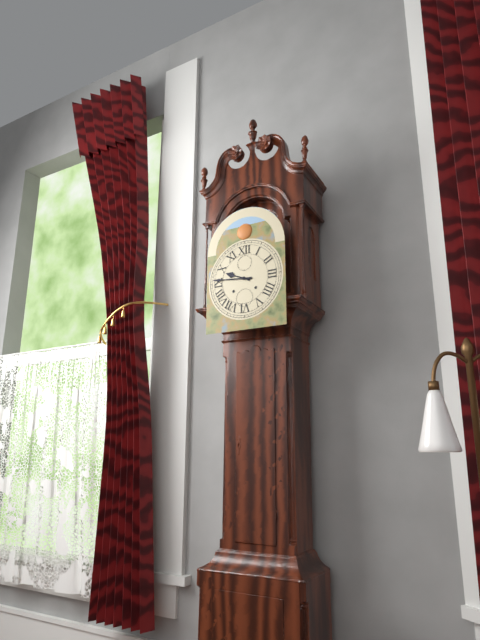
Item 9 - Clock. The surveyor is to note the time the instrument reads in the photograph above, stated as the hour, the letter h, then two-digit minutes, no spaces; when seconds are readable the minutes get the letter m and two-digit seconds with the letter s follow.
9h46
